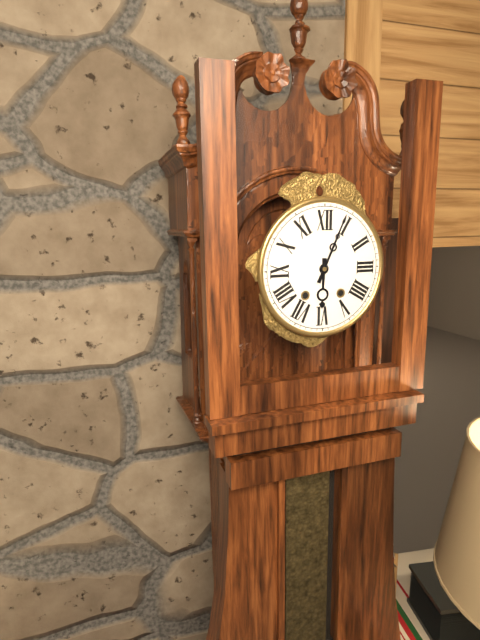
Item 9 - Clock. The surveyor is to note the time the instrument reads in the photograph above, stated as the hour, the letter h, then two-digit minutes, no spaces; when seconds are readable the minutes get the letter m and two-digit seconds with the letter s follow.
6h04
